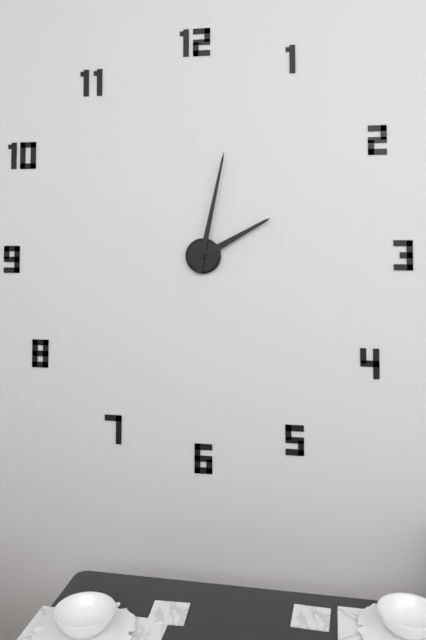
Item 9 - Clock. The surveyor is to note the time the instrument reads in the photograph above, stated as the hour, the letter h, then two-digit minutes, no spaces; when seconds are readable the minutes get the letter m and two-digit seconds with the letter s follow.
2h02
